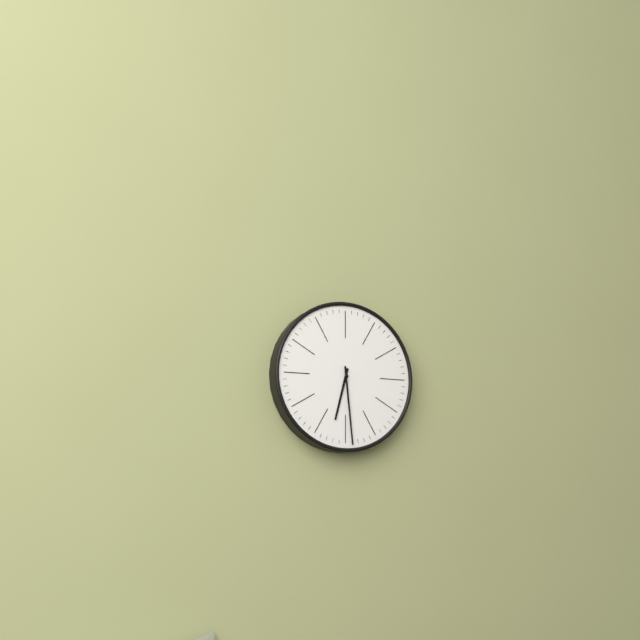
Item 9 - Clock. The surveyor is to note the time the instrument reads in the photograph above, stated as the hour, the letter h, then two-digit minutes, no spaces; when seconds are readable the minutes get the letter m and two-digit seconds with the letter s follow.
6h29
